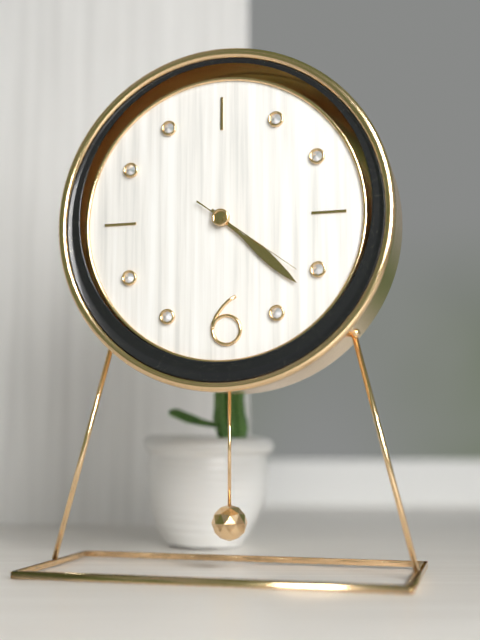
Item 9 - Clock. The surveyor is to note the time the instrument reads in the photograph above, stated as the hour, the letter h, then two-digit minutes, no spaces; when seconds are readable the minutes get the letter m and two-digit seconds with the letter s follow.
4h22m21s
